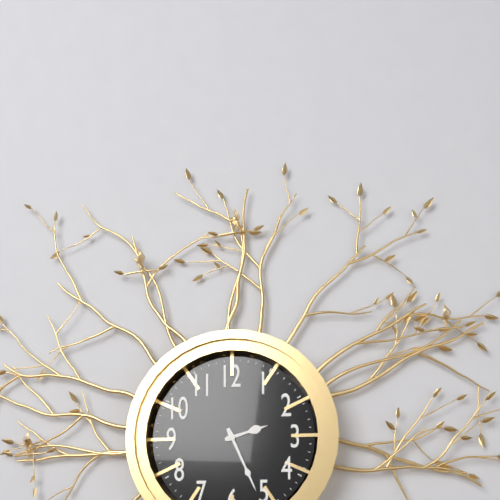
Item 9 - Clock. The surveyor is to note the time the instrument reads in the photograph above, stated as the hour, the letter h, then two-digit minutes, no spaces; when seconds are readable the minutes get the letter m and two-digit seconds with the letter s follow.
2h26
